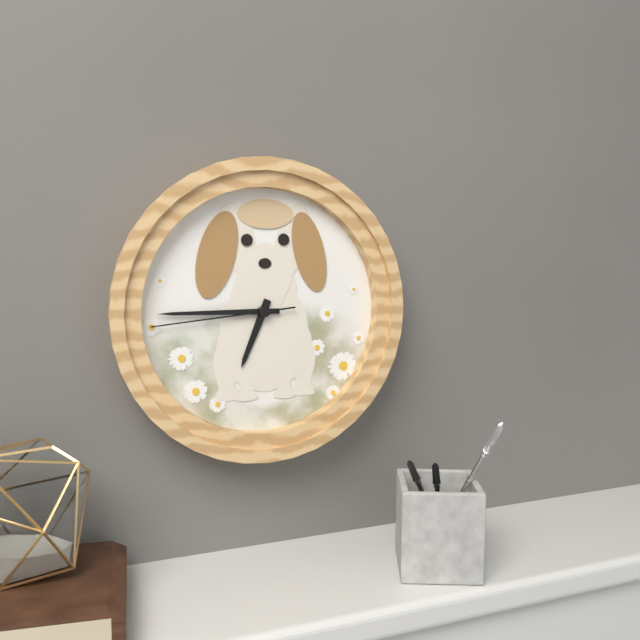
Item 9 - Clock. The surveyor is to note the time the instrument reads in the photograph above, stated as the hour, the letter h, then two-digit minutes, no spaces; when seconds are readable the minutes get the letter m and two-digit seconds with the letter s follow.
6h45m44s
